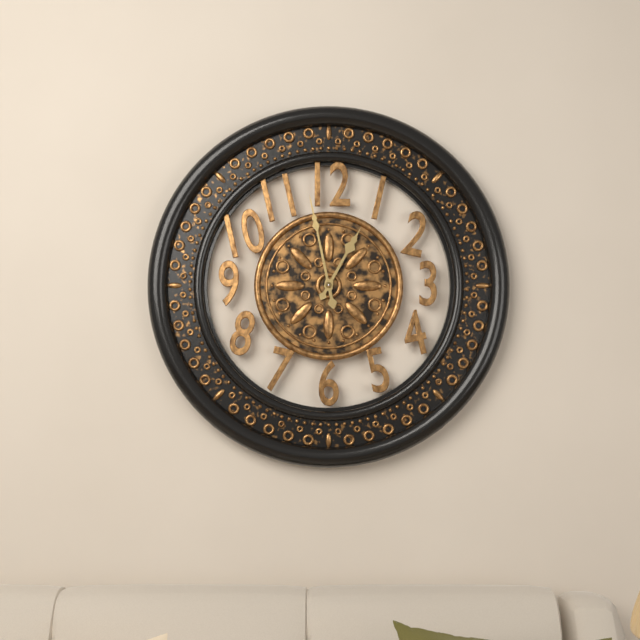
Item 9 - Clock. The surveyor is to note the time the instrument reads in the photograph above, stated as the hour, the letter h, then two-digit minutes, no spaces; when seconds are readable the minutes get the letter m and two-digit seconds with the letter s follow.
12h58
